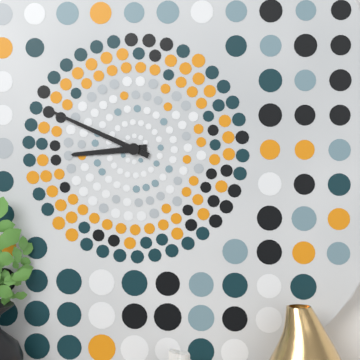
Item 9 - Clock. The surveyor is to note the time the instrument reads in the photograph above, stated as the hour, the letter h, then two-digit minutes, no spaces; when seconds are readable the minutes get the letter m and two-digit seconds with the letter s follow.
8h49
